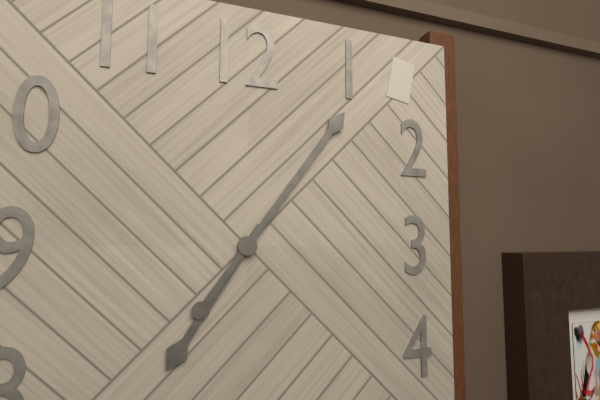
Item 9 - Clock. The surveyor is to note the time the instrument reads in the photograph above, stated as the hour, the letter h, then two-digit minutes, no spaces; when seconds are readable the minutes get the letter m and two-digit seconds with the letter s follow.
7h06
